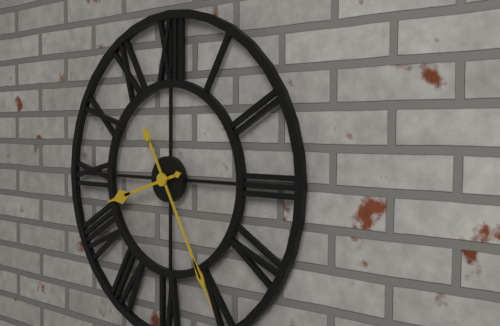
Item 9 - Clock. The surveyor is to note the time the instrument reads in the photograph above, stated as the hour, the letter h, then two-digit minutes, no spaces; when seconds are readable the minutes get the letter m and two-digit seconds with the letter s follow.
8h25
